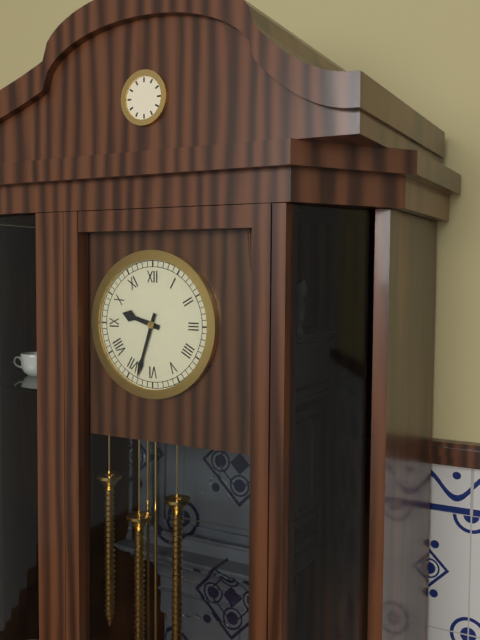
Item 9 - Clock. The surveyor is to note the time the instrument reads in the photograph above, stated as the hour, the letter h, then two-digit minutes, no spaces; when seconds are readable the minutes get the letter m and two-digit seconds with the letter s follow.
9h33
